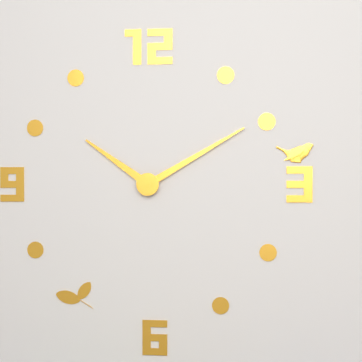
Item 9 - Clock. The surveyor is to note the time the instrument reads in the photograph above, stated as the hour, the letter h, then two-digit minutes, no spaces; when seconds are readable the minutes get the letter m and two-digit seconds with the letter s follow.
10h10
